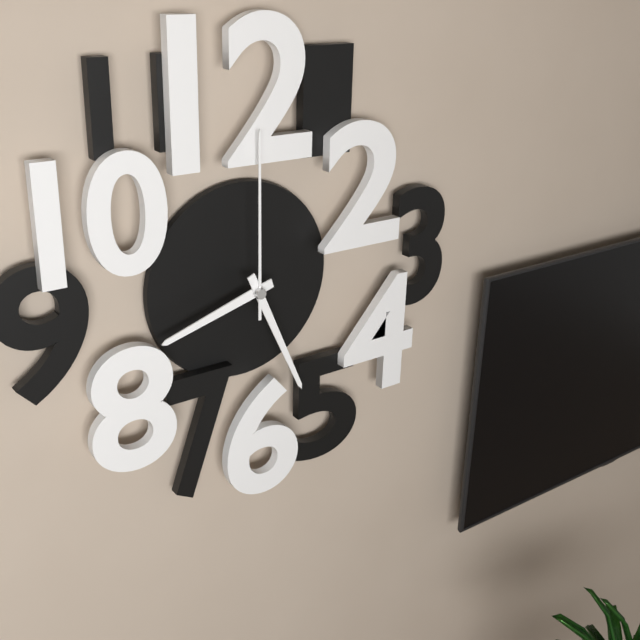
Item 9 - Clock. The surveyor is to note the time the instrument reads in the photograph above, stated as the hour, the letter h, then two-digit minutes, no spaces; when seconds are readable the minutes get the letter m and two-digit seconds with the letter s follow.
8h26m00s
